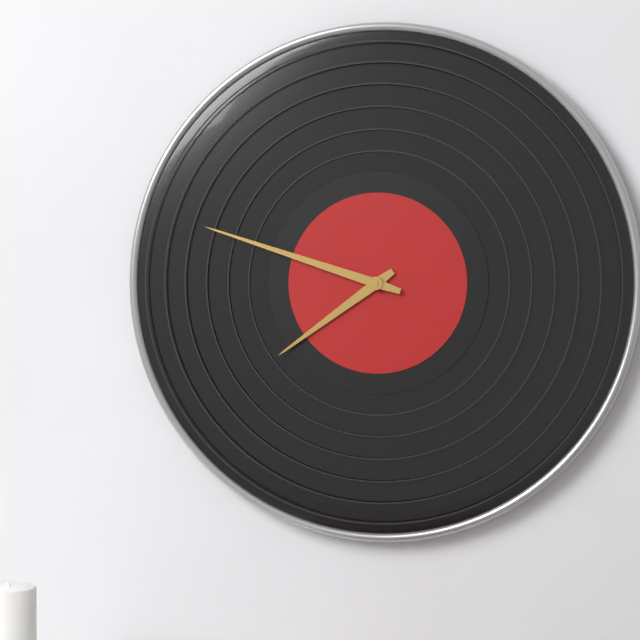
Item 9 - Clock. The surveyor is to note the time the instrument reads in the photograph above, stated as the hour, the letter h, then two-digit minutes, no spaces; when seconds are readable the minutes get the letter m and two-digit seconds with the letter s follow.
7h48
